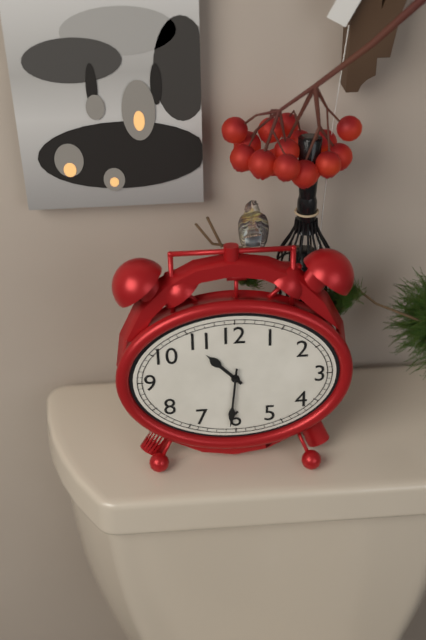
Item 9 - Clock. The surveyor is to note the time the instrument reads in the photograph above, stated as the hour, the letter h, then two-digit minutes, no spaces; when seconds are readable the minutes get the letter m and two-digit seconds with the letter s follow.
10h31
